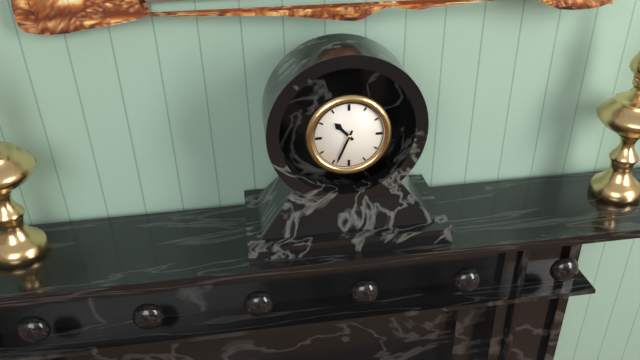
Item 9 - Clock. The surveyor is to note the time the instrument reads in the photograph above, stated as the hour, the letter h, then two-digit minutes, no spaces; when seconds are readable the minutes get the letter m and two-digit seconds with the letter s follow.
10h34
